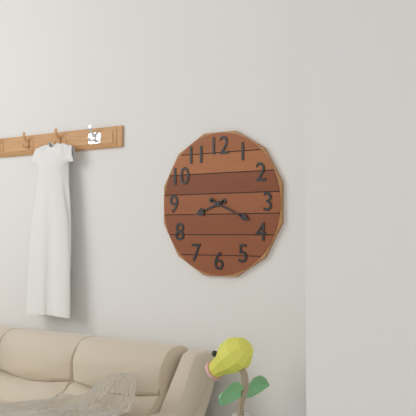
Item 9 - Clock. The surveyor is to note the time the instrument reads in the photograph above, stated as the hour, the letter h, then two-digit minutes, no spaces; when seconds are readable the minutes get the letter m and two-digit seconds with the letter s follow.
8h19
